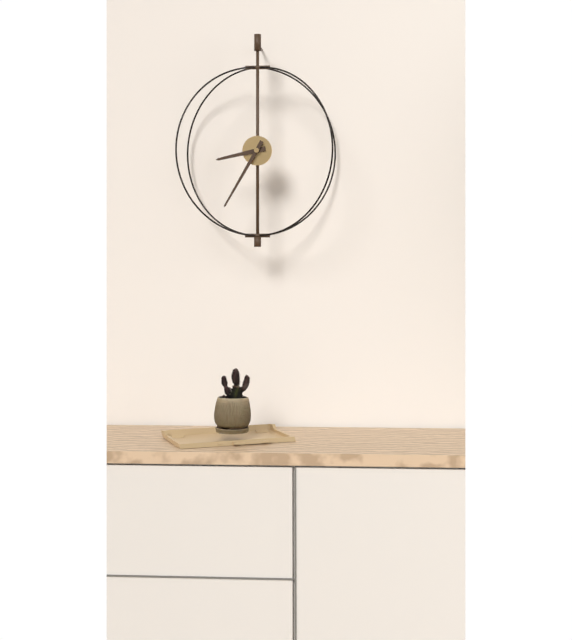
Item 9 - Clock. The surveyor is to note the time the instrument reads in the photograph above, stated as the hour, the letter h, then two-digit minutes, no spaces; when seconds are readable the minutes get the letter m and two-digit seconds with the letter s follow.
8h35
